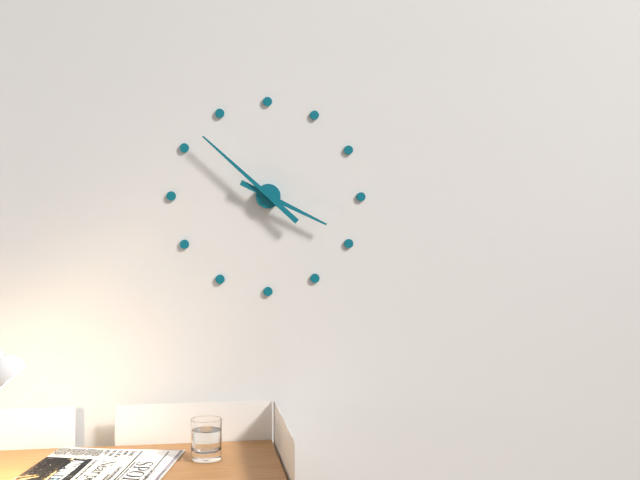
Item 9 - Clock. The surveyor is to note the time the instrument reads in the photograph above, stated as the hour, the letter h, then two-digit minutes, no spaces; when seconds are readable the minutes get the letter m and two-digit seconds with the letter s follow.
3h52
